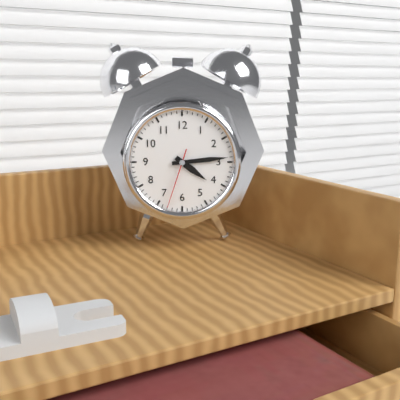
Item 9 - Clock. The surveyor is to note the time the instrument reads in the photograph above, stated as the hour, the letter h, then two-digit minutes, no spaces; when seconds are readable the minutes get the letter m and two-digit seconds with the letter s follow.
4h14m33s
